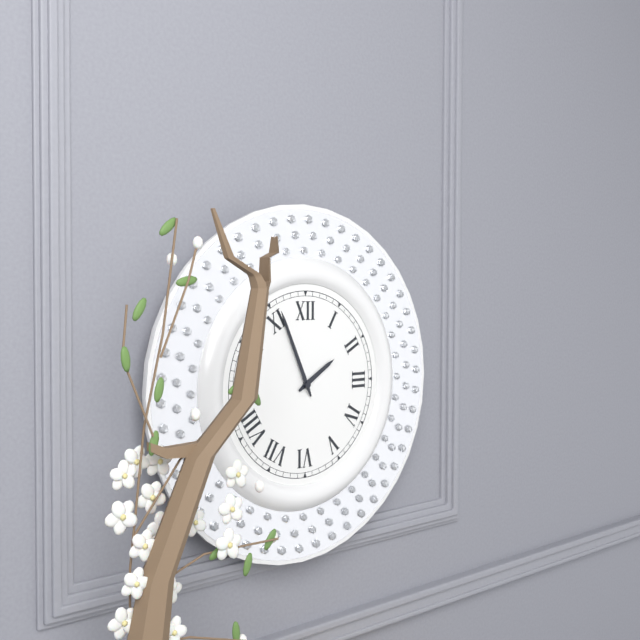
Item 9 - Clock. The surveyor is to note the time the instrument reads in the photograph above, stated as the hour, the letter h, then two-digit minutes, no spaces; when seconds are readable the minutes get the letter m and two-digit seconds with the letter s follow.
1h56
